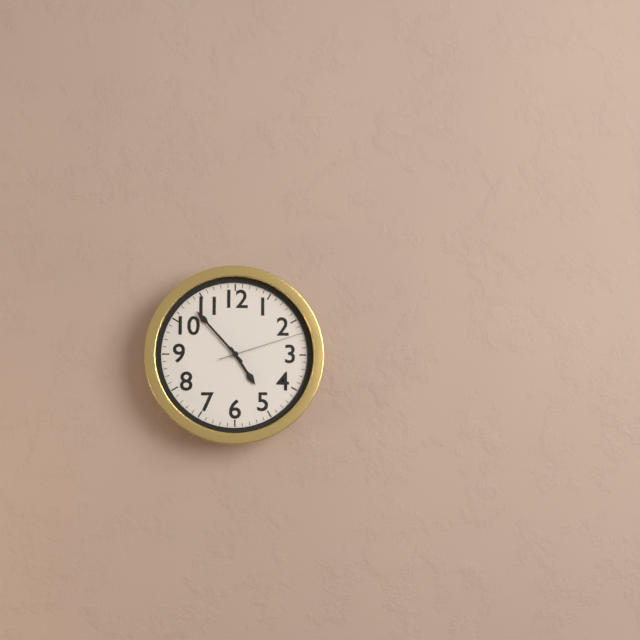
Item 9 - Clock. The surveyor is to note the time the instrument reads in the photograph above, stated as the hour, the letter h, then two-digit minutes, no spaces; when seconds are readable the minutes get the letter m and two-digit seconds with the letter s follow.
4h53m12s
